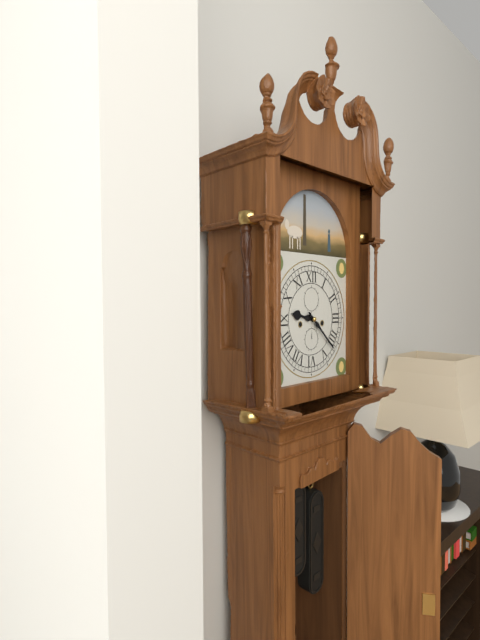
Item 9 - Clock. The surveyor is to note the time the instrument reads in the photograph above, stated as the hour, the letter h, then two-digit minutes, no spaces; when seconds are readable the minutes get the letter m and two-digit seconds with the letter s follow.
9h22
